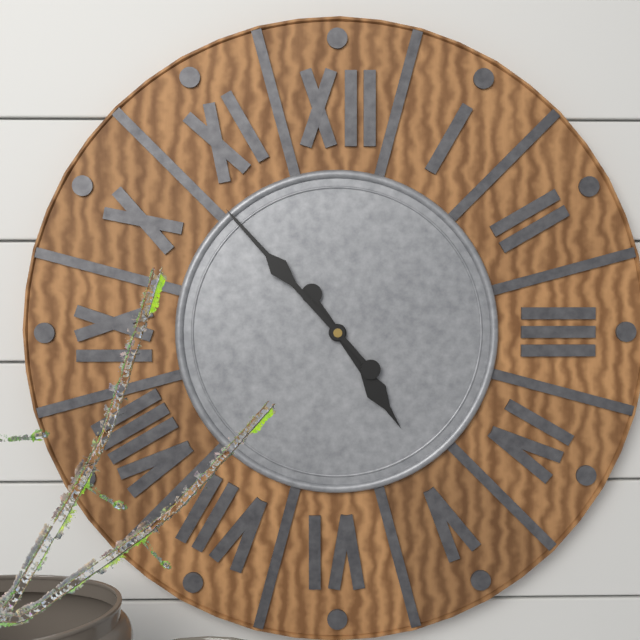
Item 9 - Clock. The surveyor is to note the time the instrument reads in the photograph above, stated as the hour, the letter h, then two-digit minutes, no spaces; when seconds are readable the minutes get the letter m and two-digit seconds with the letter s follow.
4h53
